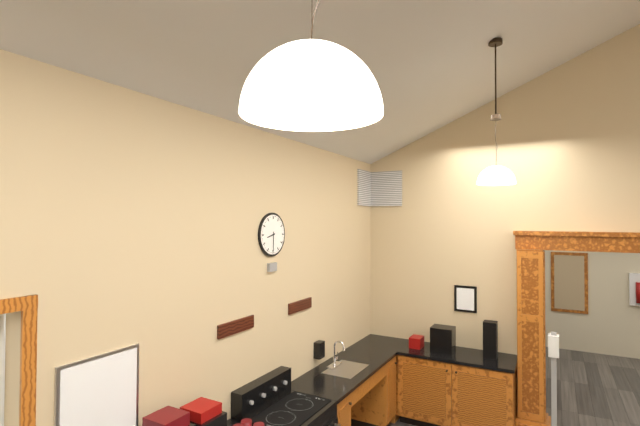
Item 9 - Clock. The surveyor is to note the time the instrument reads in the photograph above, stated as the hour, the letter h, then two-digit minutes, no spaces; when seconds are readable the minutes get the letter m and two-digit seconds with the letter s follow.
8h30
